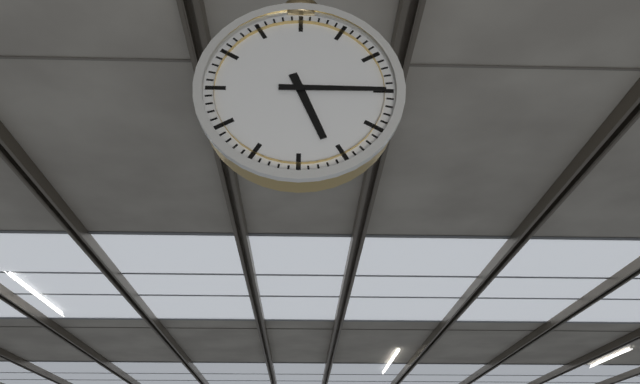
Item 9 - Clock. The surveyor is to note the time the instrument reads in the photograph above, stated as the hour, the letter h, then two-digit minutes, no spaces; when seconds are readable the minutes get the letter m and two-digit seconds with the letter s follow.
5h15
